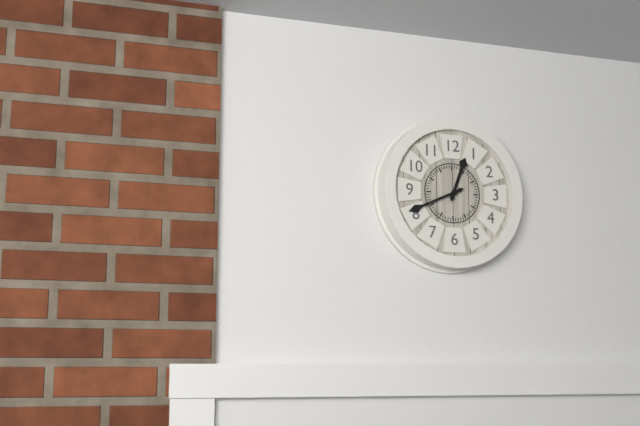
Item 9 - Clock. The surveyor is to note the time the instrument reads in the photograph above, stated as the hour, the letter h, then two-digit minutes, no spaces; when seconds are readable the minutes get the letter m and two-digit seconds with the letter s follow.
12h41
